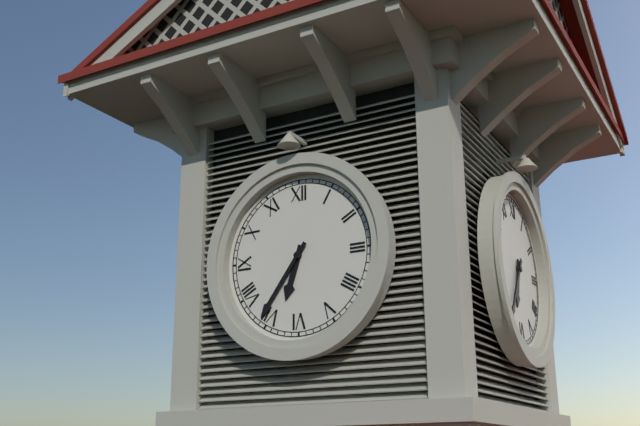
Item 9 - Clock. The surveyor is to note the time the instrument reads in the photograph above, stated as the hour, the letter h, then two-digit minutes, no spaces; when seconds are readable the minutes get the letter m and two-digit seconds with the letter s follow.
6h36
